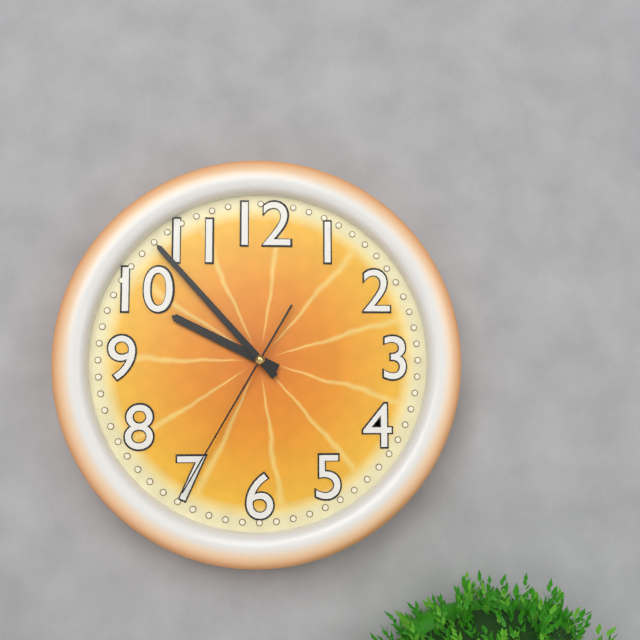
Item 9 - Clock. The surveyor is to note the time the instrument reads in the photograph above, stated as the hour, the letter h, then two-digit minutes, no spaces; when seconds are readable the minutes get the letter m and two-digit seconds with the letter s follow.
9h53m35s
